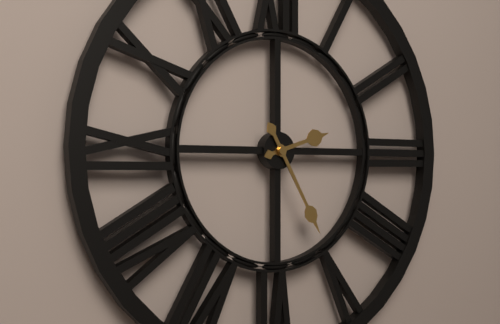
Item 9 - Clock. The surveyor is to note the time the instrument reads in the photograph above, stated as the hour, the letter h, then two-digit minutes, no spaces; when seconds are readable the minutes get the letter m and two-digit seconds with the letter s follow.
2h25
